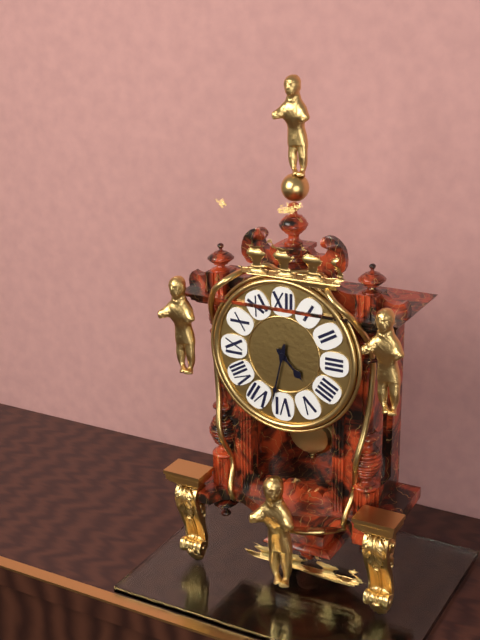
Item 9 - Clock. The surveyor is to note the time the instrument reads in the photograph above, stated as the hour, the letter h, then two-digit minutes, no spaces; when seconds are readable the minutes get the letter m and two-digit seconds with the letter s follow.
4h32
